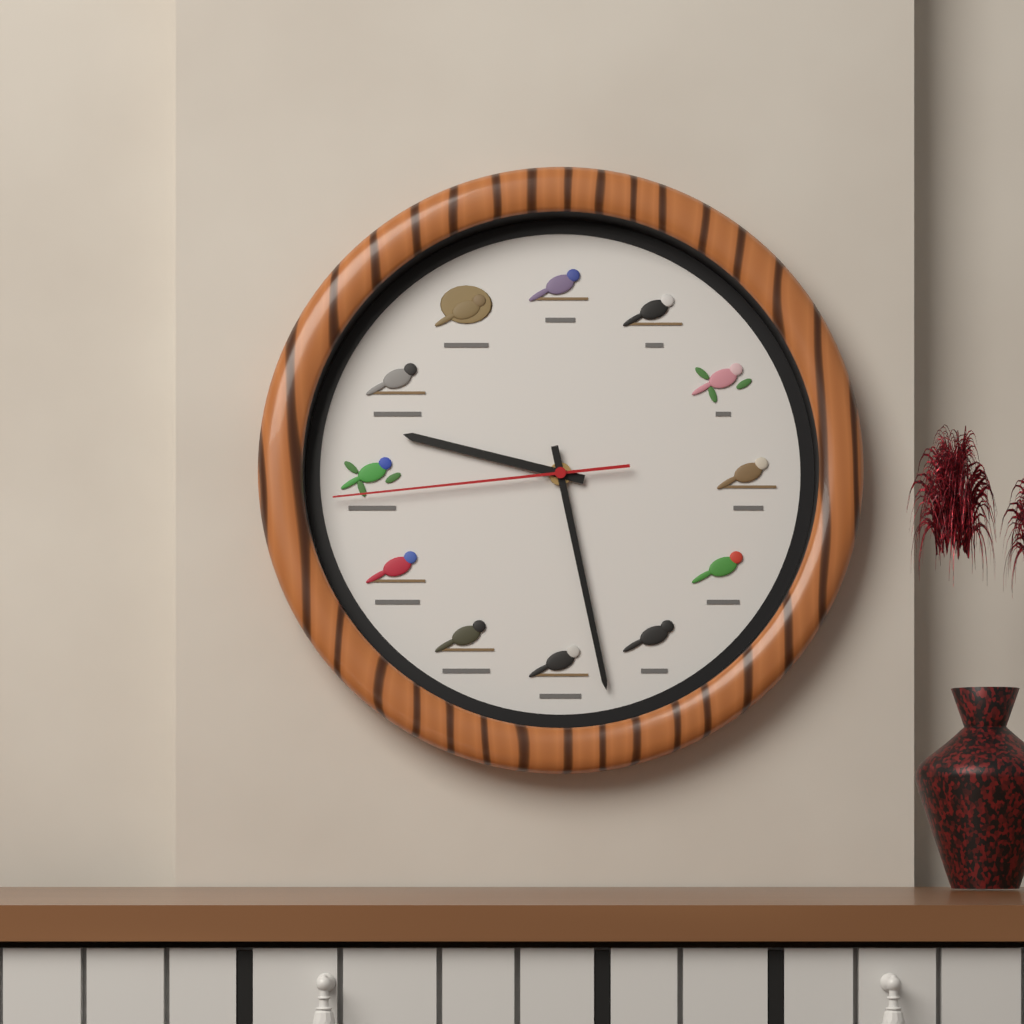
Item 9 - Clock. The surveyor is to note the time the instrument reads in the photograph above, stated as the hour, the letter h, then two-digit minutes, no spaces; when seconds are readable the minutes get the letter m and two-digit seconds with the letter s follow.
9h28m44s
